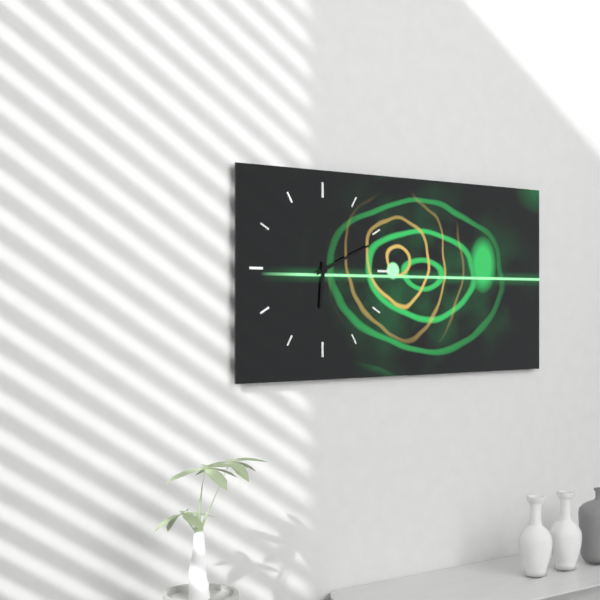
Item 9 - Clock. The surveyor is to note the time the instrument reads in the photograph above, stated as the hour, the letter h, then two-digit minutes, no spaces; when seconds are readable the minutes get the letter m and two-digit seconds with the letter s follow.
6h11
